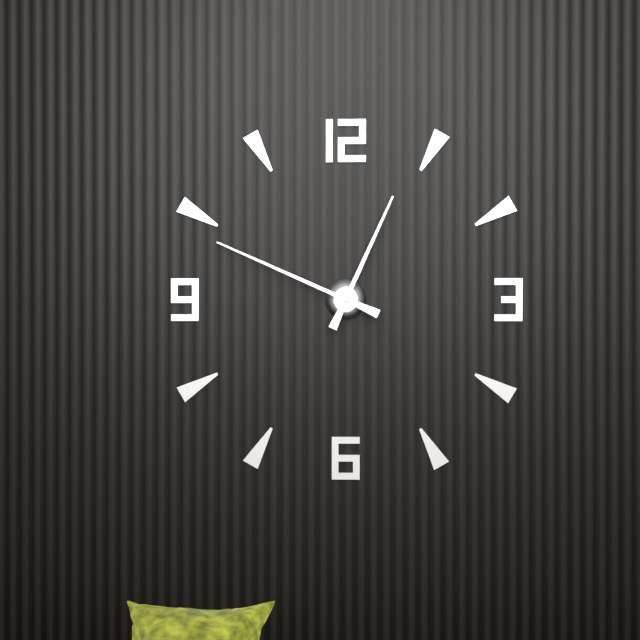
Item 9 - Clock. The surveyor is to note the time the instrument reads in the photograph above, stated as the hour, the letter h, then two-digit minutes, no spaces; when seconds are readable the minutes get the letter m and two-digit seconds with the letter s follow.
12h49
